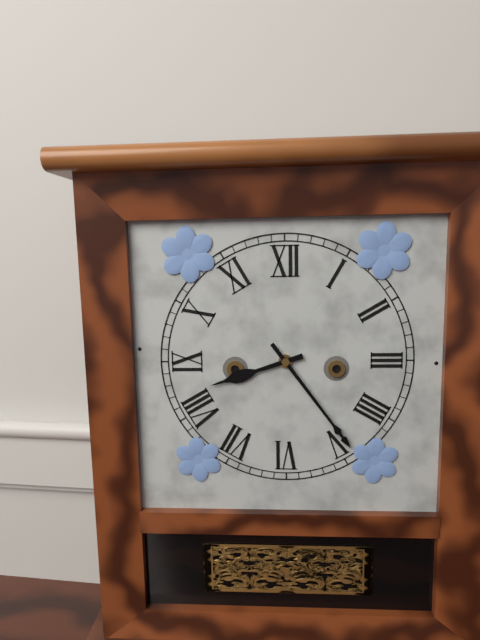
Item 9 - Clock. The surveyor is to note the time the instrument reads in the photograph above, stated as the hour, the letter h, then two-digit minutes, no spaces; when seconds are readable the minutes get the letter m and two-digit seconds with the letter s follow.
8h24
